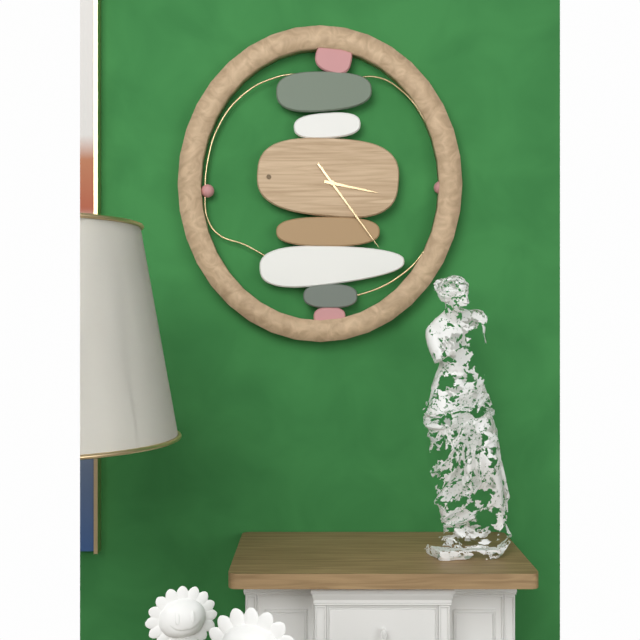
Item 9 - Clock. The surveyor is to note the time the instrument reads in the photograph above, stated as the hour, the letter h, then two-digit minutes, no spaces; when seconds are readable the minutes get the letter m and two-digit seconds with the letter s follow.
3h24
